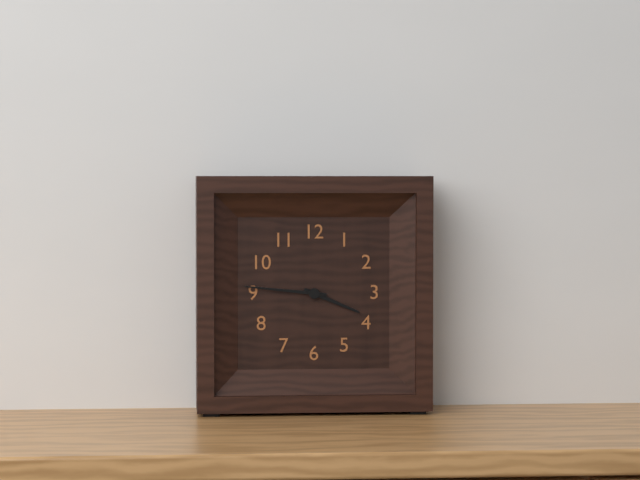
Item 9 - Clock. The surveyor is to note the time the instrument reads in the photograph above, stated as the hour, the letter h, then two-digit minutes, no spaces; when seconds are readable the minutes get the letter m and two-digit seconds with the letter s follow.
3h46
